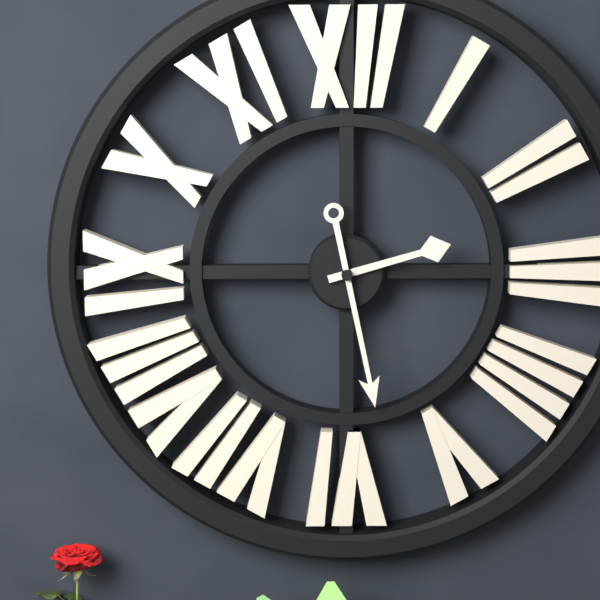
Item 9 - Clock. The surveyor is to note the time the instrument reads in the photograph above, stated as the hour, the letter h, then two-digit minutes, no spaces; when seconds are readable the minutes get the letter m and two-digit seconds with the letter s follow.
2h28
